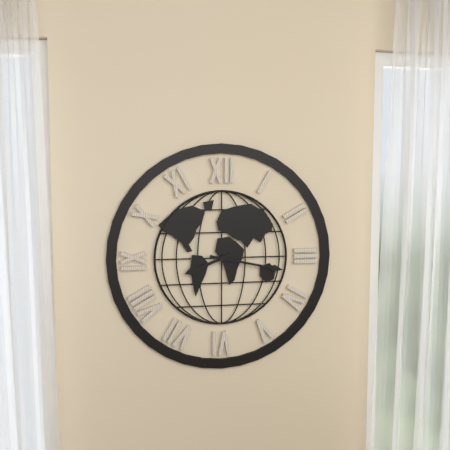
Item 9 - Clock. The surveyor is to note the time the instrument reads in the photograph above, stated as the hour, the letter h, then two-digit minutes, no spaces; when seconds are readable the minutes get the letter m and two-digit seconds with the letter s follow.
8h17
